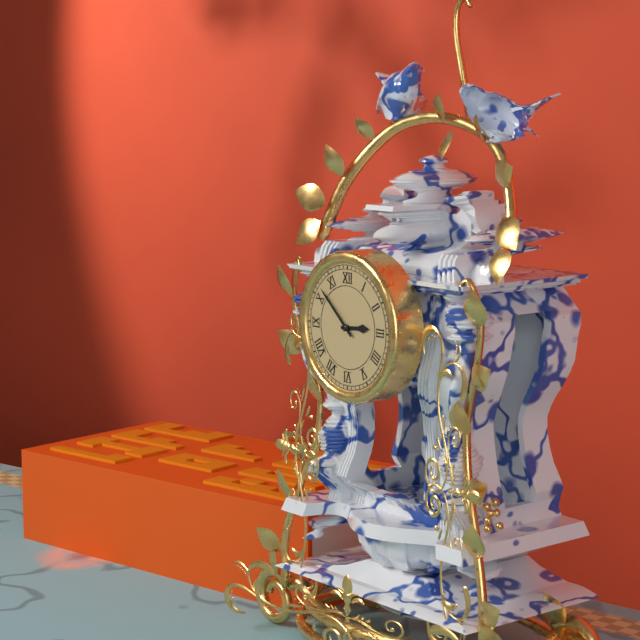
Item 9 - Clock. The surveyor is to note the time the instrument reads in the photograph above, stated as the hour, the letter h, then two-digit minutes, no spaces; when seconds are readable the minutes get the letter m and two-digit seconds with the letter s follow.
2h52
